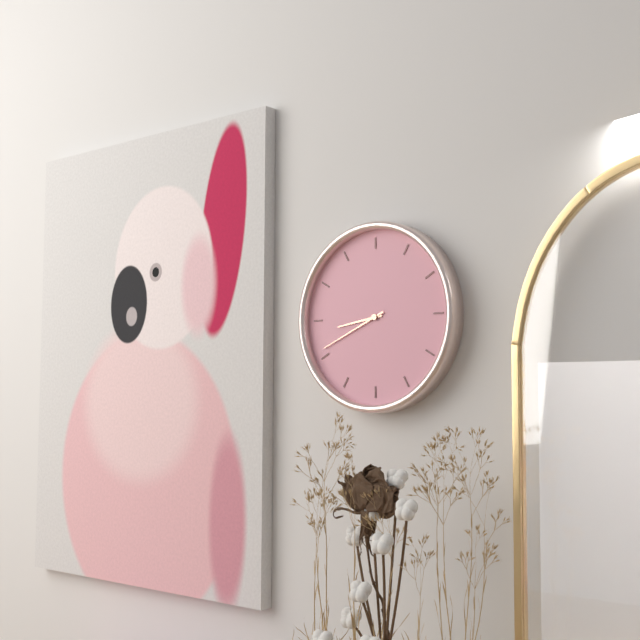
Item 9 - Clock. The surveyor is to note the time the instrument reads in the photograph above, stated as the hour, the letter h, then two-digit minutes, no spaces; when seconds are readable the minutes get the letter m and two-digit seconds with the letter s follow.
8h41
